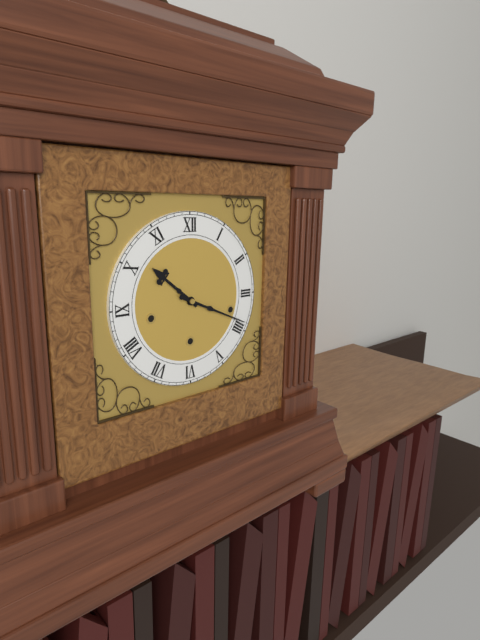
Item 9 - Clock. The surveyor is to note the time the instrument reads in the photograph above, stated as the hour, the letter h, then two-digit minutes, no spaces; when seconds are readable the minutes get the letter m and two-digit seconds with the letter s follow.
10h19
